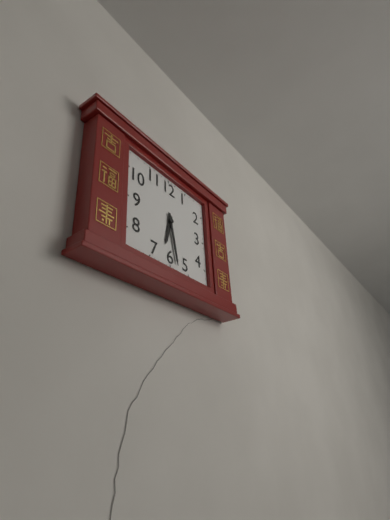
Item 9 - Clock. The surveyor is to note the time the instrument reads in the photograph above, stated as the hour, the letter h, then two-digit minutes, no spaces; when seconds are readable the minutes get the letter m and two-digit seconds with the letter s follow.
6h28
